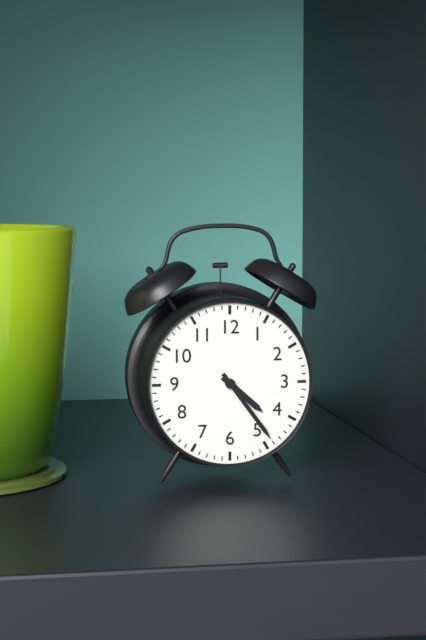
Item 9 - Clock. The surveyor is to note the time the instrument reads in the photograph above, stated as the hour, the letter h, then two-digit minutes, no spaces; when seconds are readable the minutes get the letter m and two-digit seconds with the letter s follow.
4h24
